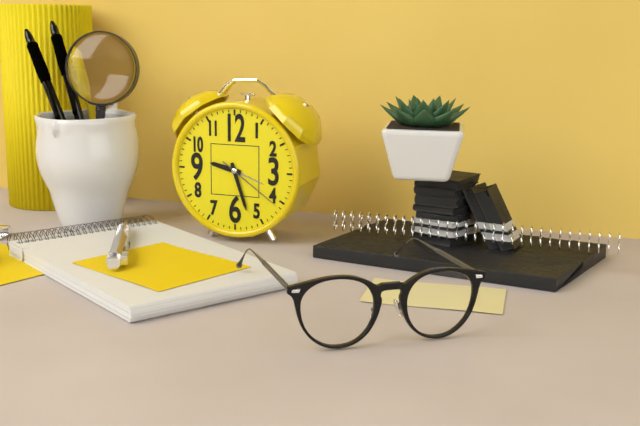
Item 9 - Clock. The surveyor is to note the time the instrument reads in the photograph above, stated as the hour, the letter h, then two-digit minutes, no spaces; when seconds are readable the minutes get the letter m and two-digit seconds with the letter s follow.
9h27m21s
